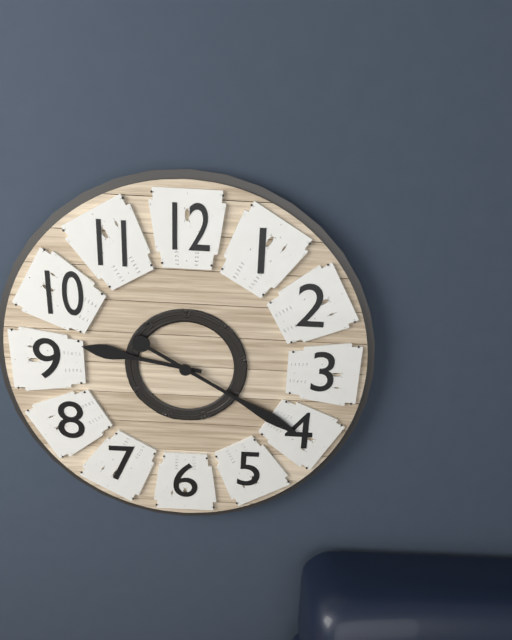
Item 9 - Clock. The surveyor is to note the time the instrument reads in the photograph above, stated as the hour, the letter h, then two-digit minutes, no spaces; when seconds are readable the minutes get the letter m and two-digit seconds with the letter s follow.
9h20
